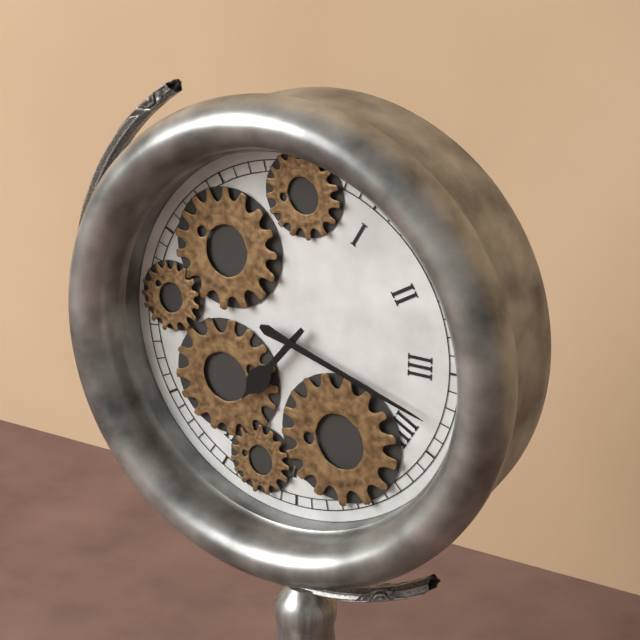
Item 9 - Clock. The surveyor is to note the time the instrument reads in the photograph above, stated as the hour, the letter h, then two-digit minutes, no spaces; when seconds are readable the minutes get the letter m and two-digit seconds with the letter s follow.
7h18
